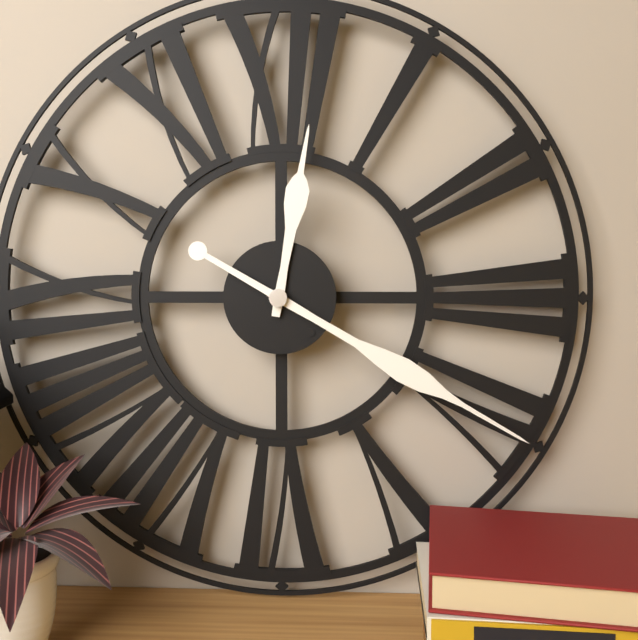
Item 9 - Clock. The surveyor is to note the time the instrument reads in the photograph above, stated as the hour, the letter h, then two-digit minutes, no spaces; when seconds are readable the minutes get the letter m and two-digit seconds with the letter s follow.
12h20
